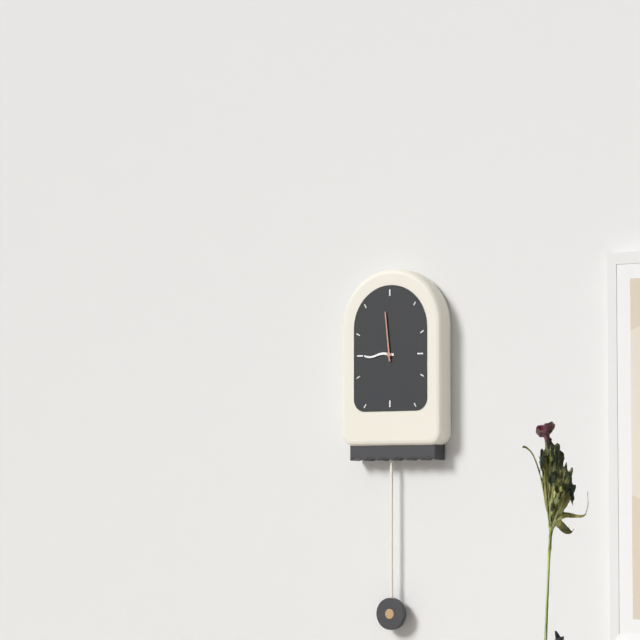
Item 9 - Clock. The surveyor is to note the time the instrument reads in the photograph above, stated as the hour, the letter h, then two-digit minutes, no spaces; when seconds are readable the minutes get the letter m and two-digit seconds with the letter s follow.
8h59
